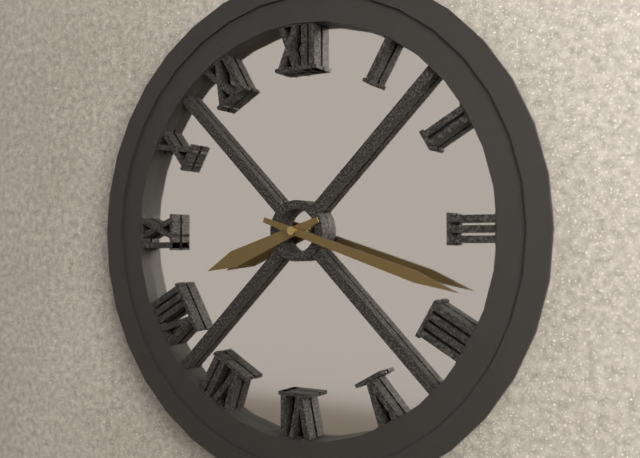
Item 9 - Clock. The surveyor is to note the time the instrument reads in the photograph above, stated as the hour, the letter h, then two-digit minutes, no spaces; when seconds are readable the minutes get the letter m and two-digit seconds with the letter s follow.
8h18
